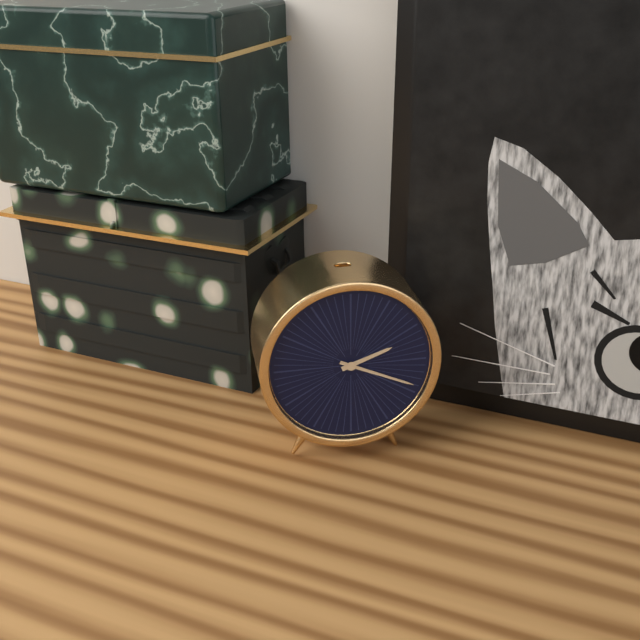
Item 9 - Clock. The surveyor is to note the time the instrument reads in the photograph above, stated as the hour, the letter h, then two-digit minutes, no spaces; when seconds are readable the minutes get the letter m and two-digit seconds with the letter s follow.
2h19
